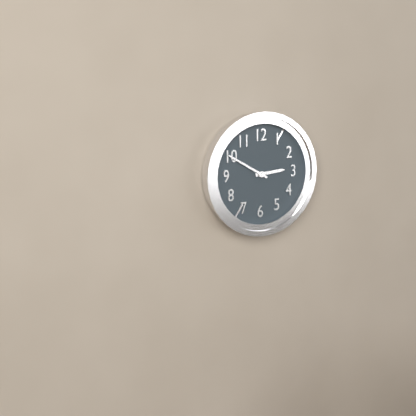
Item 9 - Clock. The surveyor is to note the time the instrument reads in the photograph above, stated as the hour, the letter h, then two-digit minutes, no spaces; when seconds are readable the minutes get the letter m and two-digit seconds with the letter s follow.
2h50
